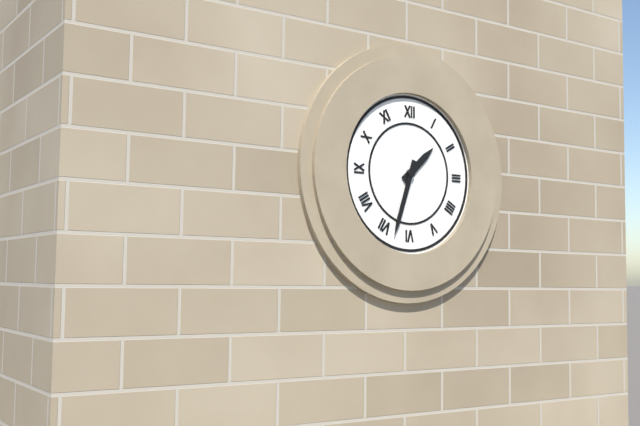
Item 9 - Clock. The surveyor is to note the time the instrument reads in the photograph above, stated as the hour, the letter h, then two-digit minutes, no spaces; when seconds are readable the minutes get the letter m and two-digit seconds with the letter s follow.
1h33
